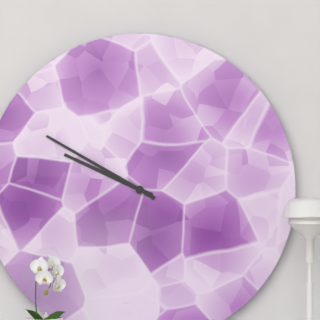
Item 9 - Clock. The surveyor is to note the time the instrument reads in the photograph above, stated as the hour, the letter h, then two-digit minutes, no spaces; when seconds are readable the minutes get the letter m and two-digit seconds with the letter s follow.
9h50
